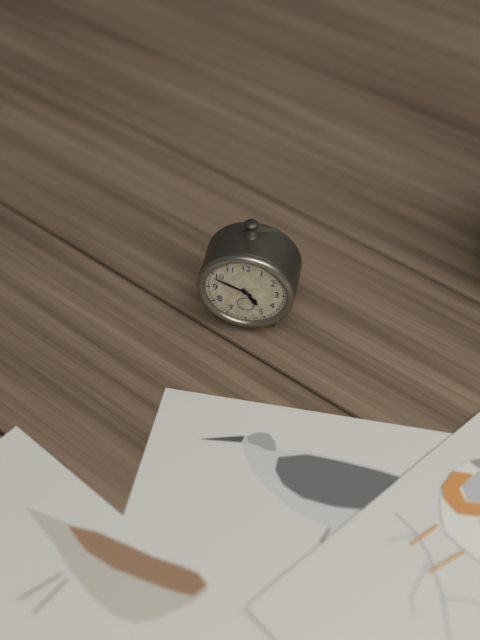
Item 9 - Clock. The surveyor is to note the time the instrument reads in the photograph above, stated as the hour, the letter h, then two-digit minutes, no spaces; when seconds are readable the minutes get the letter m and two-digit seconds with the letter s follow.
4h49
